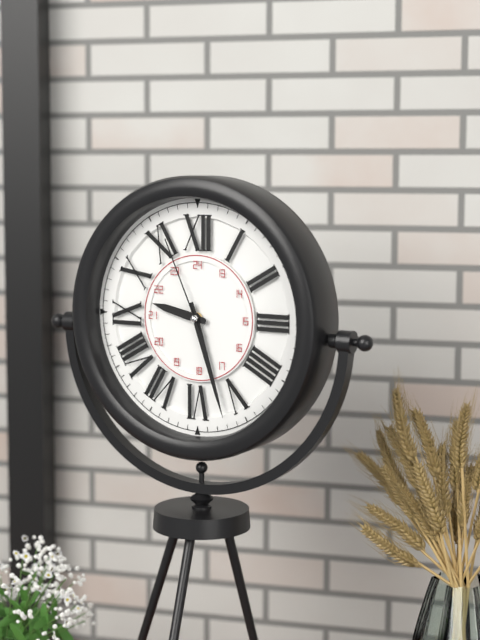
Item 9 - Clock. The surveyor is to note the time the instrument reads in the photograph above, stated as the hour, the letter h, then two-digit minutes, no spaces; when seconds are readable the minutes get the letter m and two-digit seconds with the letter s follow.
9h27m56s
